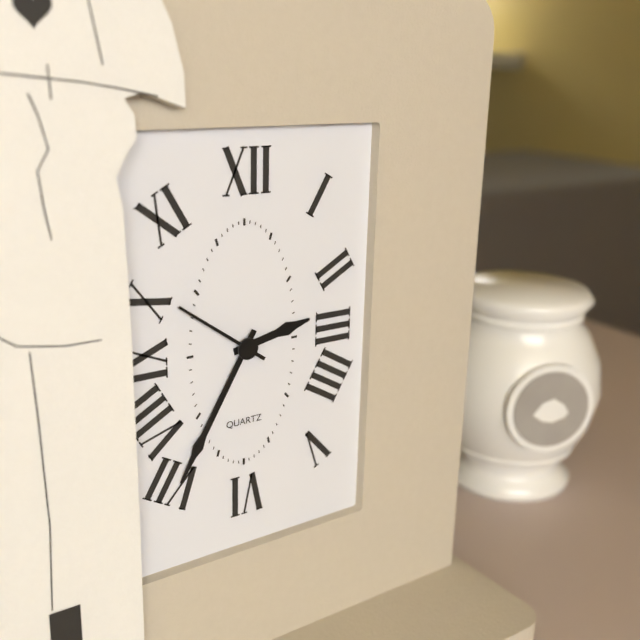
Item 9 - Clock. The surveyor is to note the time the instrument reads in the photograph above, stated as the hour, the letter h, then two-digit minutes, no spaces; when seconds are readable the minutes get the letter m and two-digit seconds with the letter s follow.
2h35m51s
